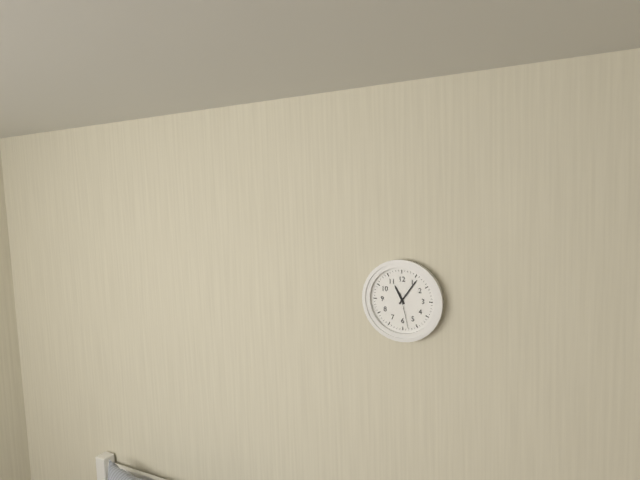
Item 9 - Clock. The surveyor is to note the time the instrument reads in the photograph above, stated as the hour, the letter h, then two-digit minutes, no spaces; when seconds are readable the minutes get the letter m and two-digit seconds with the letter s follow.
11h06
